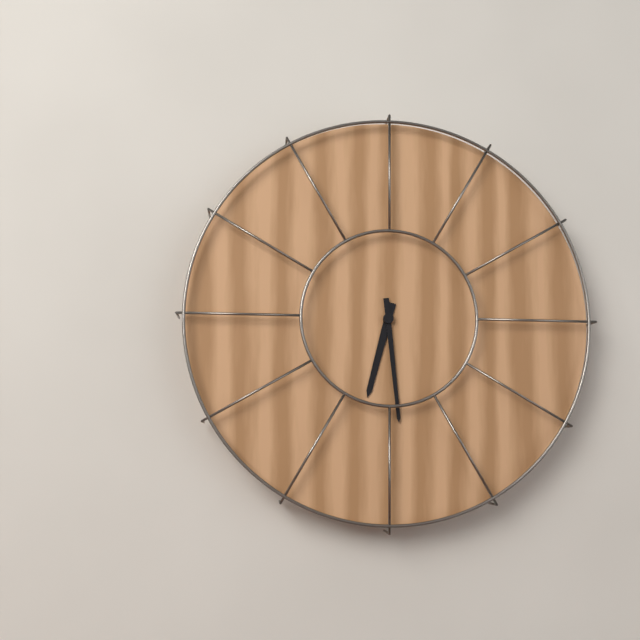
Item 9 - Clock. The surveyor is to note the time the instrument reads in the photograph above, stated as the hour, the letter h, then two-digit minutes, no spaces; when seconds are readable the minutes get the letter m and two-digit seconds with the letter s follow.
6h29
